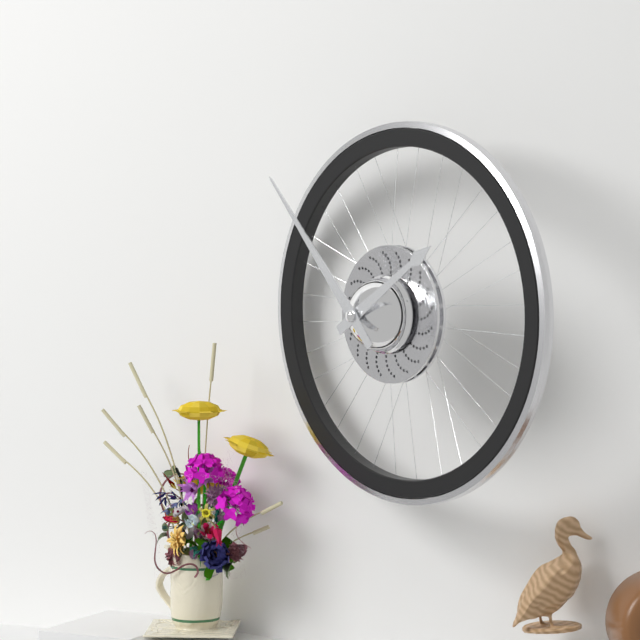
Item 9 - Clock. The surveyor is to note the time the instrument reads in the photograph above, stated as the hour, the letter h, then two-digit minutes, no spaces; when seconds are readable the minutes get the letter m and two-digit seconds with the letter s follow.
1h53
